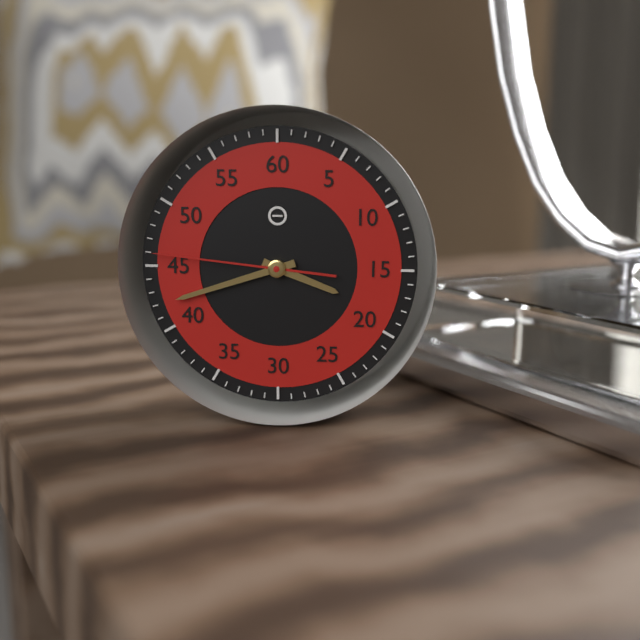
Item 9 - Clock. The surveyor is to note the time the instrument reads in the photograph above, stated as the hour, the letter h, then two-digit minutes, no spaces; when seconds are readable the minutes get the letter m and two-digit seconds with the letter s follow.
3h42m46s
